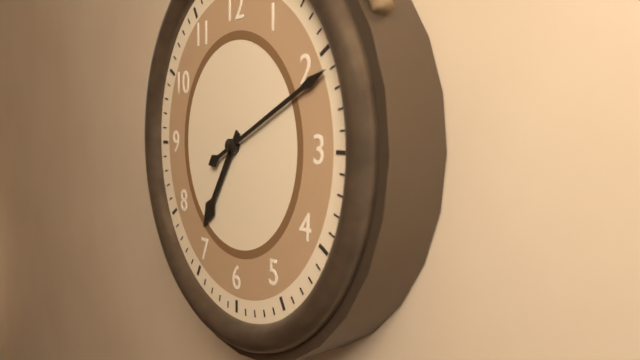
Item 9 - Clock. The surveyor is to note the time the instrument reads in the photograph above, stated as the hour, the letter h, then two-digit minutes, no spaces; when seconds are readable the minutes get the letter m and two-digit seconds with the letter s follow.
7h11
